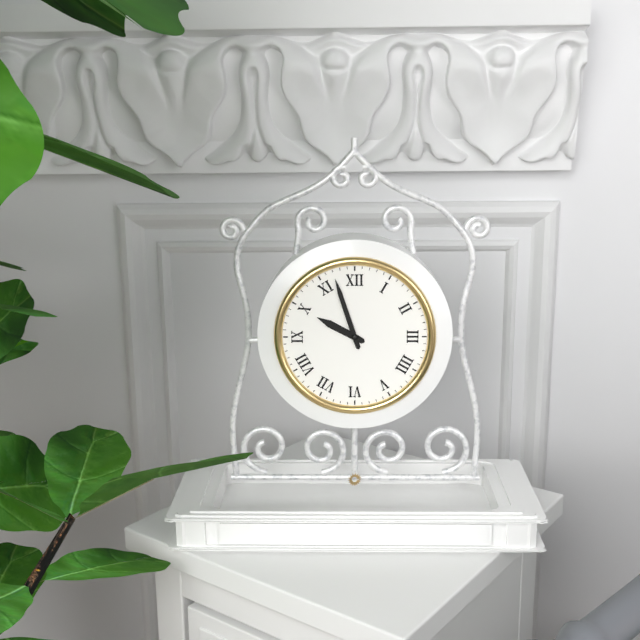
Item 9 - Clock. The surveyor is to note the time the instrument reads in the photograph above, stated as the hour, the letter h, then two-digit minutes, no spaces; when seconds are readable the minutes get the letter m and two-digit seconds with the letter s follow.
9h57
